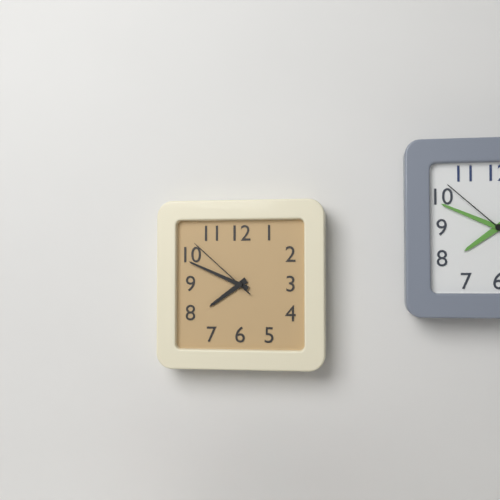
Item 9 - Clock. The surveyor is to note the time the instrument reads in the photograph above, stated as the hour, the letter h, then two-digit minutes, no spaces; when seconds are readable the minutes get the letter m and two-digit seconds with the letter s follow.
7h49m52s
